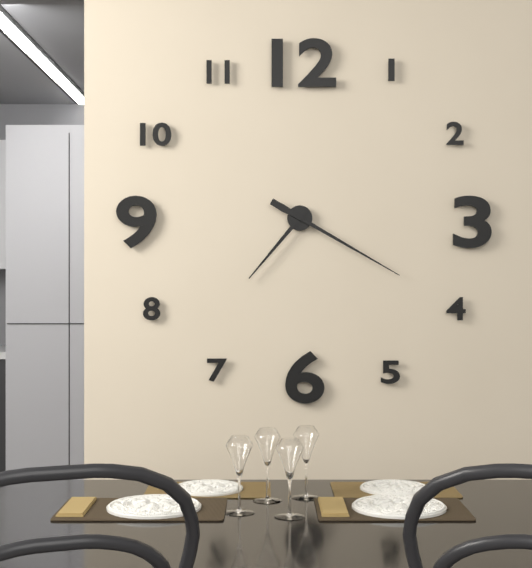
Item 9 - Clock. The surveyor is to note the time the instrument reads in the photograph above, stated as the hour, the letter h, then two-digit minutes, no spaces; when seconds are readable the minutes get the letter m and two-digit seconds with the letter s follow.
7h20
